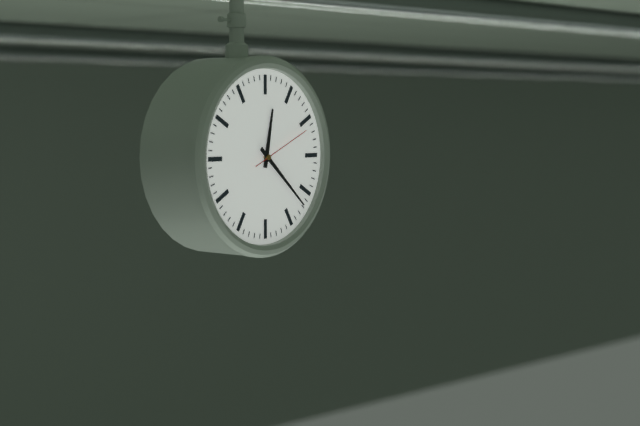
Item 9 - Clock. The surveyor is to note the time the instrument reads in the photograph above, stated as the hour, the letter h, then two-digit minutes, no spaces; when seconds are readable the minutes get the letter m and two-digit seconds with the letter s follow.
12h22m11s
